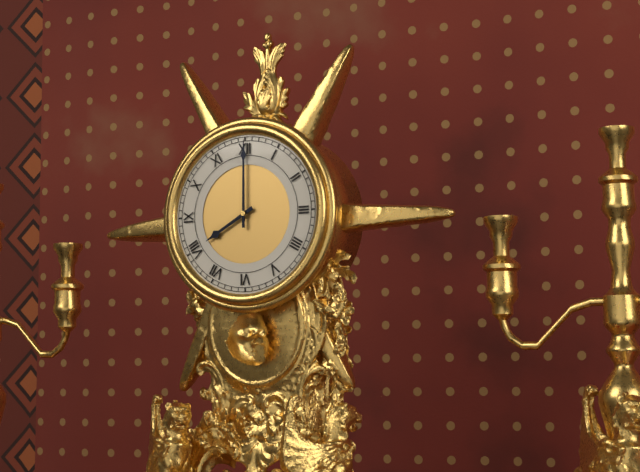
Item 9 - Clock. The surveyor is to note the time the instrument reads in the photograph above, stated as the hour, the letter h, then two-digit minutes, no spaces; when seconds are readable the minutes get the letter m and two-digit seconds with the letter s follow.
8h00
